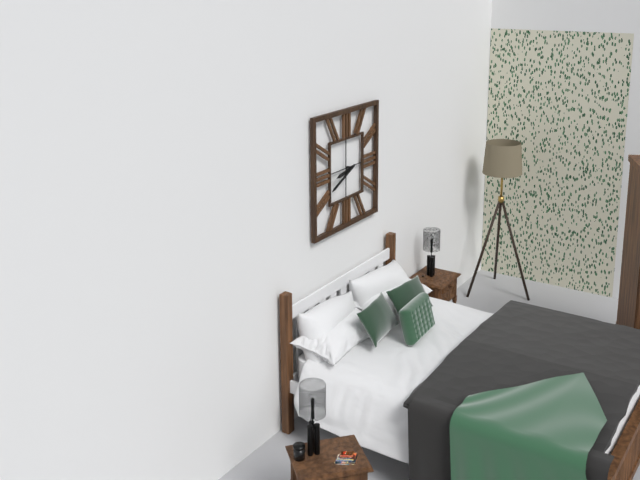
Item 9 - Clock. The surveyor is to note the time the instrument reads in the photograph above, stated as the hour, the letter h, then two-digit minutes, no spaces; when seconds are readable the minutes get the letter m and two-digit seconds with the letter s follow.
8h41
